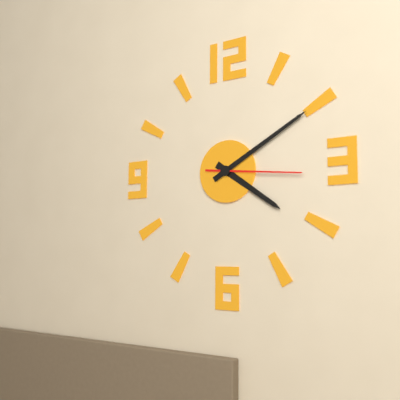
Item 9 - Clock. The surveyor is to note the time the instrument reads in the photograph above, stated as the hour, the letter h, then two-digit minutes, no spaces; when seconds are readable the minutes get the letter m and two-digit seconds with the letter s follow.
4h10m16s
